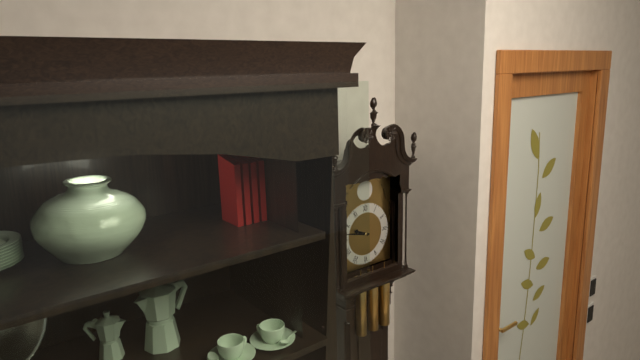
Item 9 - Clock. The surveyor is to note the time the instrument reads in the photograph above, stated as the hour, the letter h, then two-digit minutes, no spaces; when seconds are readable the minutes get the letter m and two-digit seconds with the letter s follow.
9h47
